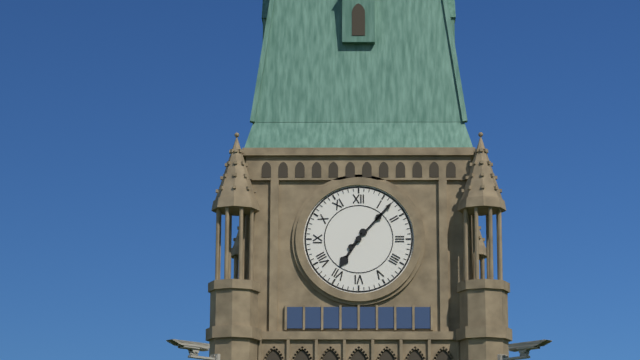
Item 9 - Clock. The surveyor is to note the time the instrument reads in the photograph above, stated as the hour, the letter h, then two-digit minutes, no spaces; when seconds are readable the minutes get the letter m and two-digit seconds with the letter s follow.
7h07
